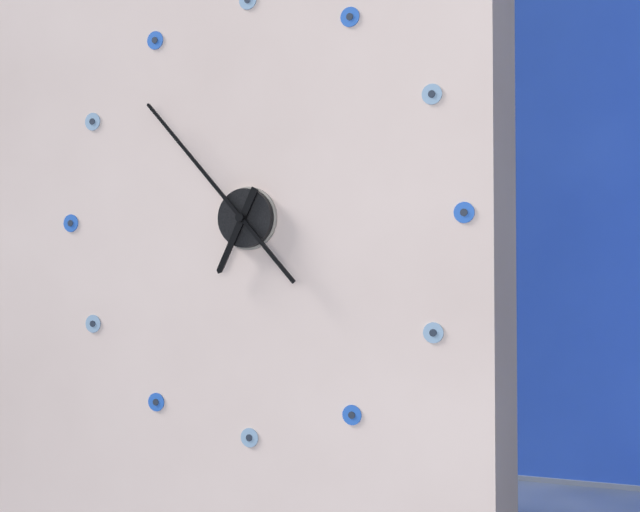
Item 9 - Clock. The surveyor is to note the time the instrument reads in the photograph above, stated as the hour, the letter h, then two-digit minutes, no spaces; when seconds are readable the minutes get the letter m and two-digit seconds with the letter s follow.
6h53
